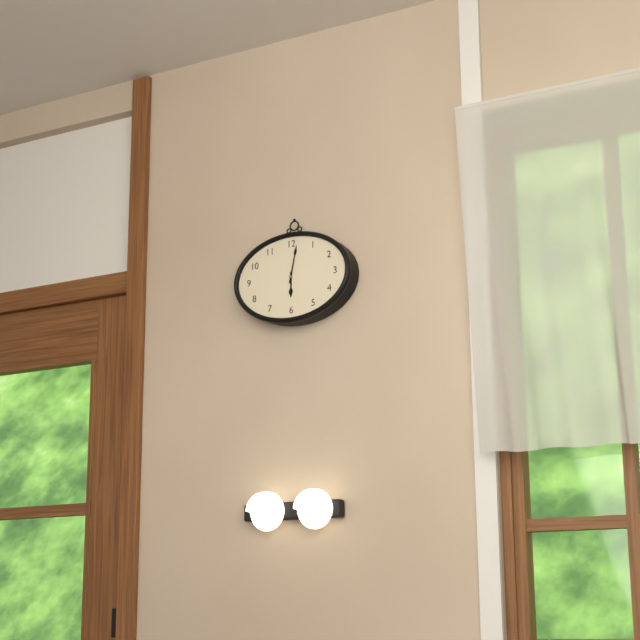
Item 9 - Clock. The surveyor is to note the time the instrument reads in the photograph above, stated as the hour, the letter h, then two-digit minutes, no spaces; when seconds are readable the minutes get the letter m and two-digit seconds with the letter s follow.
6h02
